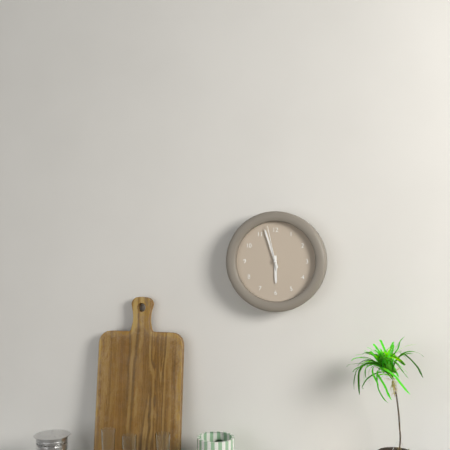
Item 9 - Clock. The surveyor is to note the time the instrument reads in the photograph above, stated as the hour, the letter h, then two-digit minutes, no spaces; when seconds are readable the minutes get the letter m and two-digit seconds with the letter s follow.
5h57
